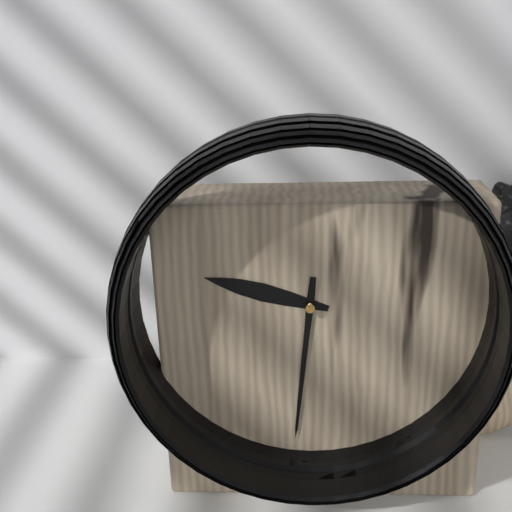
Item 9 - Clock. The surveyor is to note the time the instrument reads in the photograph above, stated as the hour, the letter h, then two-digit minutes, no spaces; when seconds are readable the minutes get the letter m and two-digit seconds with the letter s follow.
9h31
